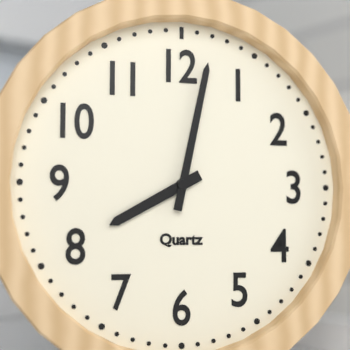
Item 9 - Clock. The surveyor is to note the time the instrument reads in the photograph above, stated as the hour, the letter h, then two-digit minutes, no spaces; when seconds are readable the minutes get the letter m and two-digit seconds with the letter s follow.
8h02
